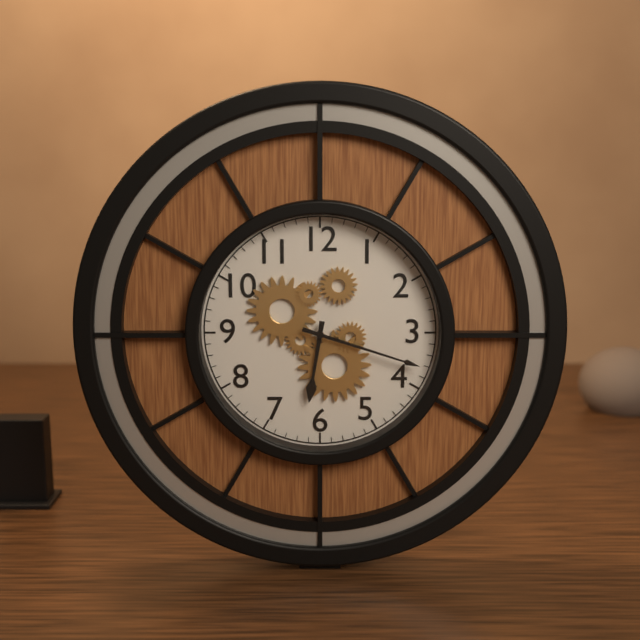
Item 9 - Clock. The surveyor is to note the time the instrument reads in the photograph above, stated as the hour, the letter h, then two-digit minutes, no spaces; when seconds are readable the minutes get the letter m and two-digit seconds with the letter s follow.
6h18
